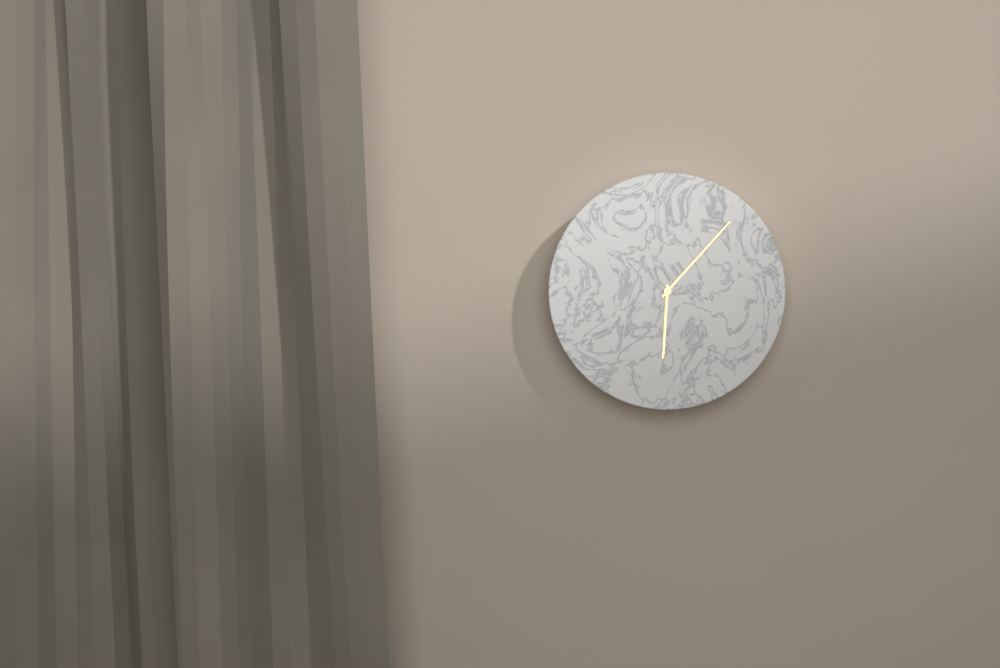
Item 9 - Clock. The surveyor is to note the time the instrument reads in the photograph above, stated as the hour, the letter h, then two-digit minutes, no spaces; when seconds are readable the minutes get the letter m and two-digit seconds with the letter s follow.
6h07
